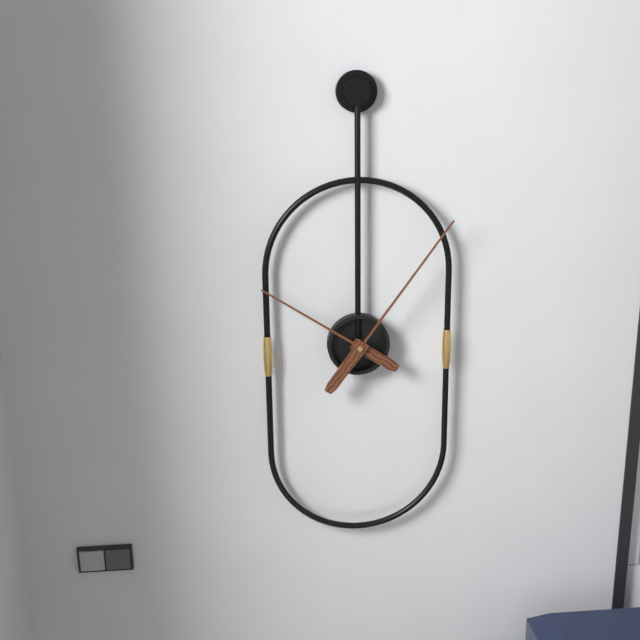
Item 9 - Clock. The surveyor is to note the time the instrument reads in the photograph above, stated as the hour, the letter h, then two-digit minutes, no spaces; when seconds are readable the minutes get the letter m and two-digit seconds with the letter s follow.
10h06
